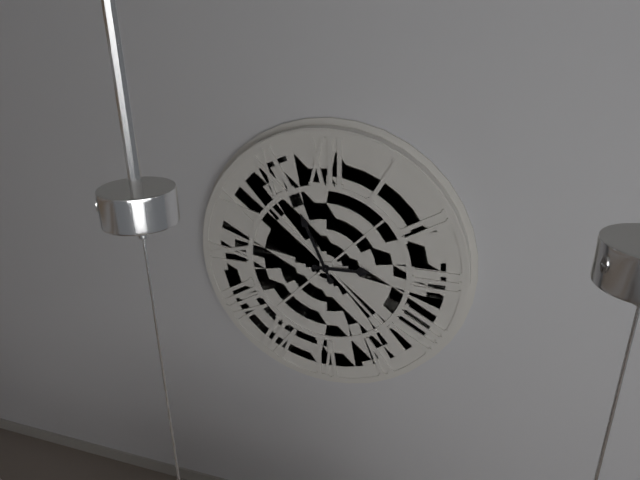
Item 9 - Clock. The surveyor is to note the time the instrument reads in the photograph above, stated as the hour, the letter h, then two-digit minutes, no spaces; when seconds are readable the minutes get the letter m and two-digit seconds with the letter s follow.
2h56
